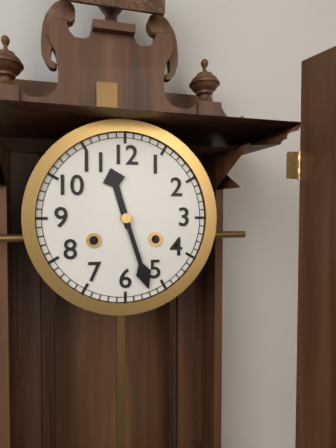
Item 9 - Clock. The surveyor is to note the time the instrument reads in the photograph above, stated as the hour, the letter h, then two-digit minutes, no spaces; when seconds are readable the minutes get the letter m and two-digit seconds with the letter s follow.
11h27
